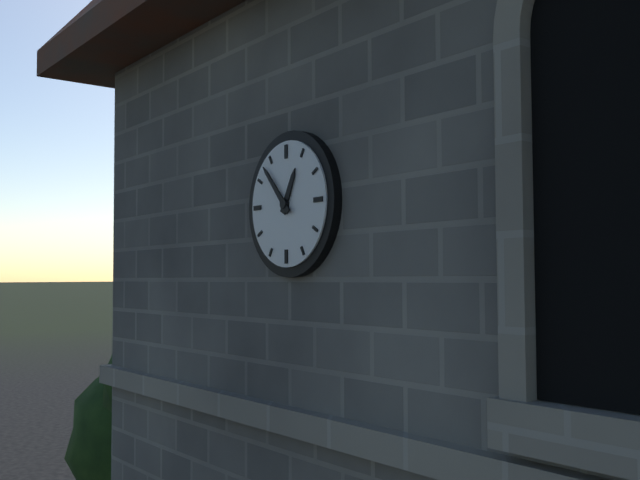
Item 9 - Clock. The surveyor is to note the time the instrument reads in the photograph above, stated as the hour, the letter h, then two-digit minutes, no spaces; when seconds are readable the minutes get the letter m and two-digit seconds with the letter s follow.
12h53
